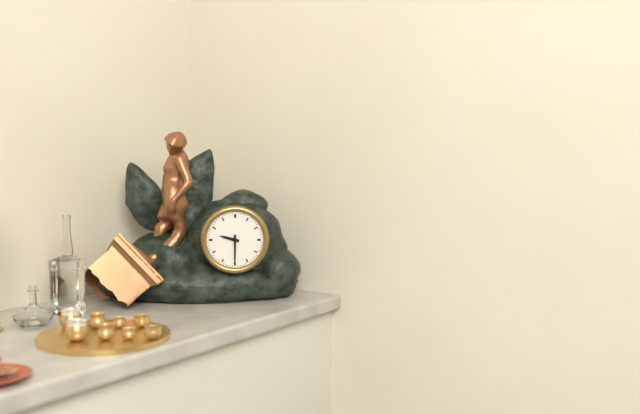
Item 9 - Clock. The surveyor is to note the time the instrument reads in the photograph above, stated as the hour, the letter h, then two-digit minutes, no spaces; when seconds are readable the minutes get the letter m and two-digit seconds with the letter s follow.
9h30
